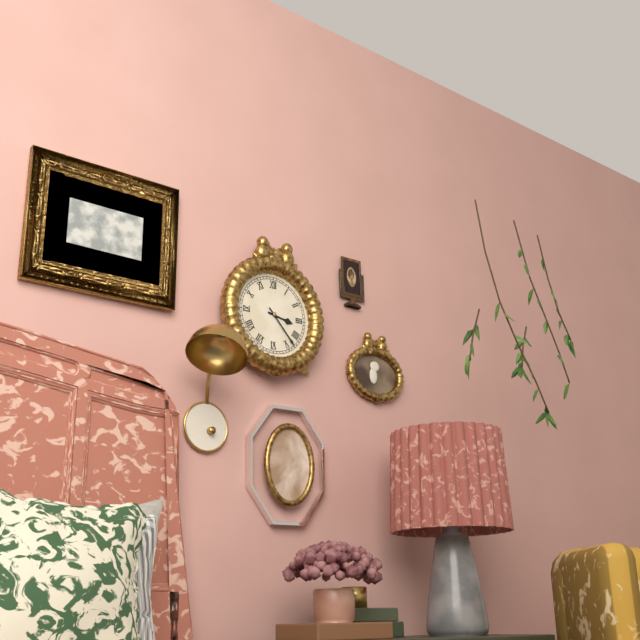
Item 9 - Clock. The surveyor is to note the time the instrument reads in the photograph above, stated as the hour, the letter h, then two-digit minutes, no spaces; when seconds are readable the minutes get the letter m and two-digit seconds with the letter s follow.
3h23
